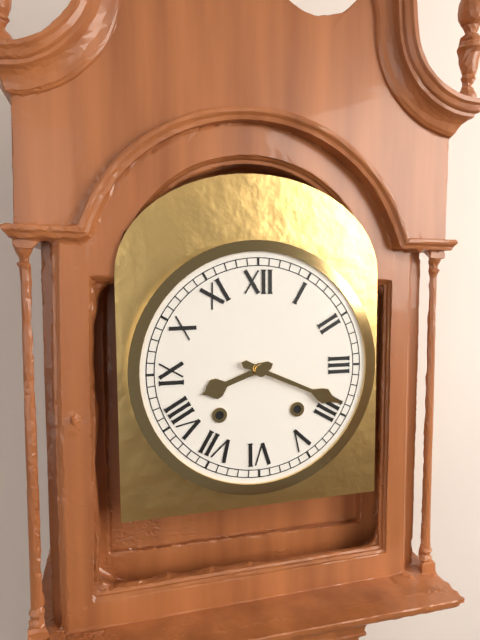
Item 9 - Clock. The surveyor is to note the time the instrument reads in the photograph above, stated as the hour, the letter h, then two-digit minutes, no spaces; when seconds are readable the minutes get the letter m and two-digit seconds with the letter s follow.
8h19
